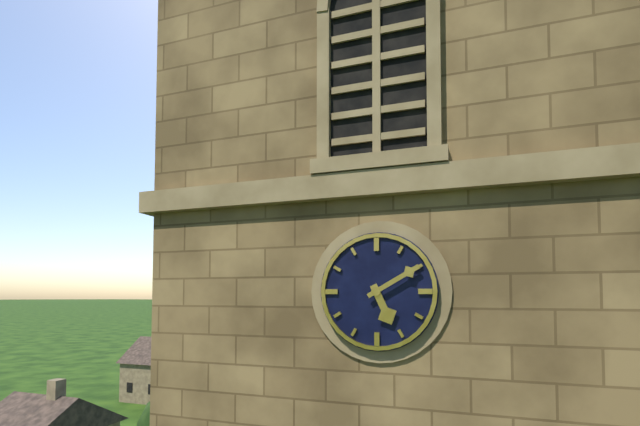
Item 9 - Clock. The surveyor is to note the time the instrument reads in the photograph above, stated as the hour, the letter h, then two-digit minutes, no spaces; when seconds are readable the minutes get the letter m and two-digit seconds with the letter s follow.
5h10
